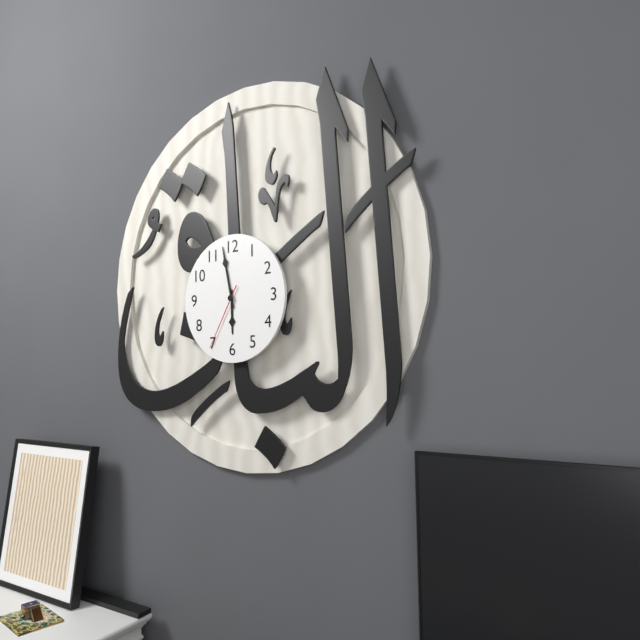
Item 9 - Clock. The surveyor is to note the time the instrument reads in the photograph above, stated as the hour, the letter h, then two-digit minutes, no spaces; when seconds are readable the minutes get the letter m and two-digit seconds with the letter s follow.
5h58m35s
